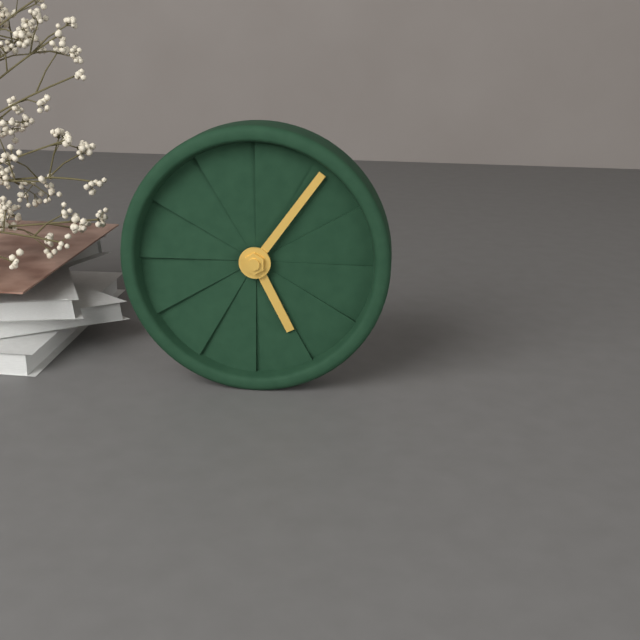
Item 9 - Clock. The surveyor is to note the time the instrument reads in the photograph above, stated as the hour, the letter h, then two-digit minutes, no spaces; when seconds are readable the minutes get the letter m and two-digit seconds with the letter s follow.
5h06
